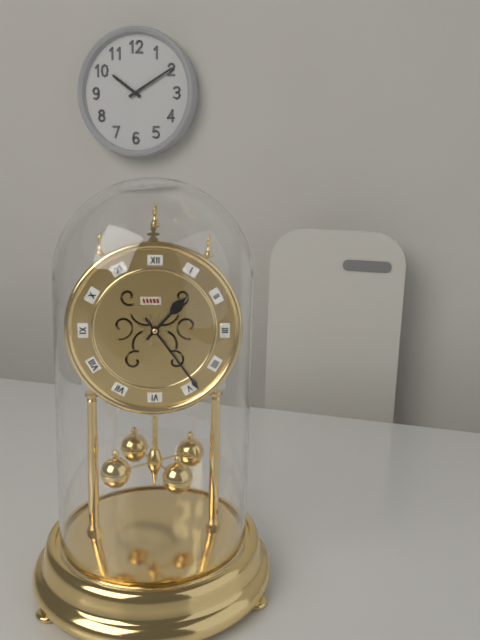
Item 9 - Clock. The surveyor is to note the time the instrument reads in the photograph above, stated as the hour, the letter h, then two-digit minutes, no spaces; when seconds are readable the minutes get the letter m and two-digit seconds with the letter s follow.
1h24
